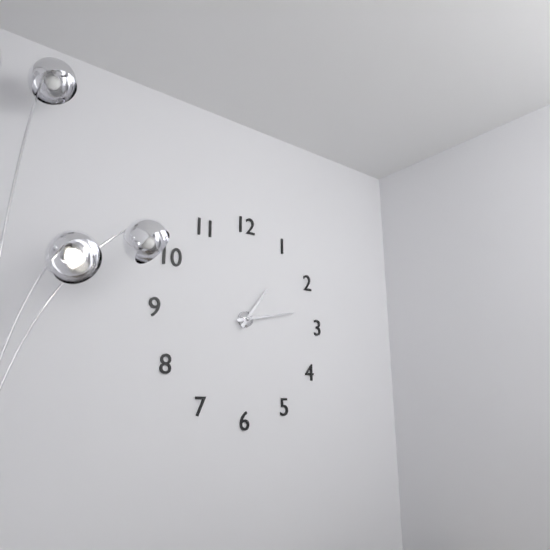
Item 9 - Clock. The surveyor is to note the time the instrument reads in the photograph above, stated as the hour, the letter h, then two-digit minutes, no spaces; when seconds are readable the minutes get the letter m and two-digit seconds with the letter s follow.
1h13
